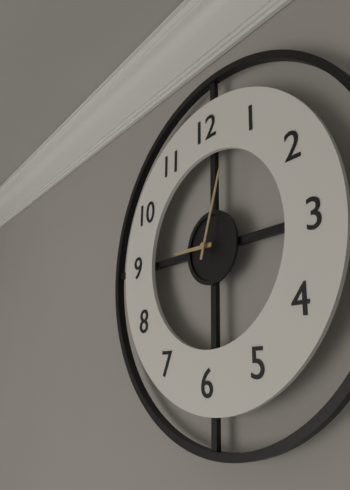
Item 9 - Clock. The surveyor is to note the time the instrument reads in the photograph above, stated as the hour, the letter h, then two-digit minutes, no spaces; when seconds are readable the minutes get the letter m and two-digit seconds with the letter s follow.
9h03
